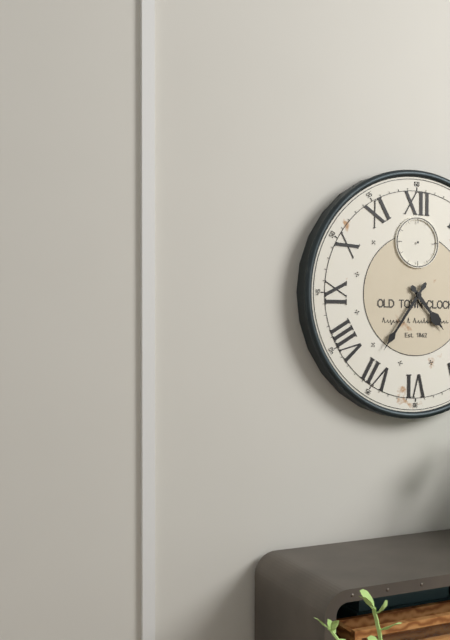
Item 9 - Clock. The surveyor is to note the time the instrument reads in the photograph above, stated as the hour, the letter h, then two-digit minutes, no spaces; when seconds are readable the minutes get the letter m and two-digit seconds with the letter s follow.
4h36
